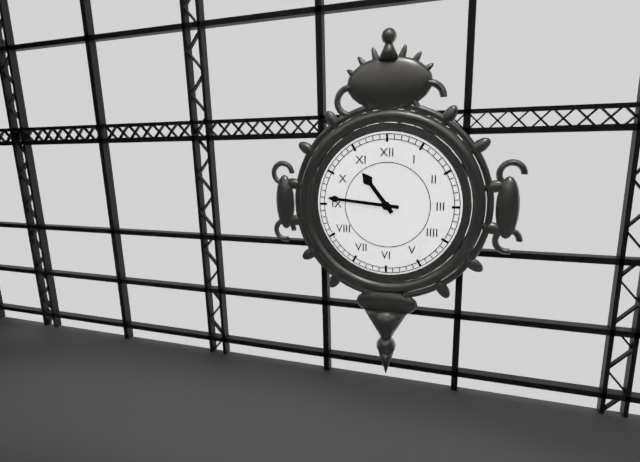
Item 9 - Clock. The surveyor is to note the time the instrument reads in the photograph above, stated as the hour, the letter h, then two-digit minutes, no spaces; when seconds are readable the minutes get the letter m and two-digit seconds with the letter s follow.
10h46
